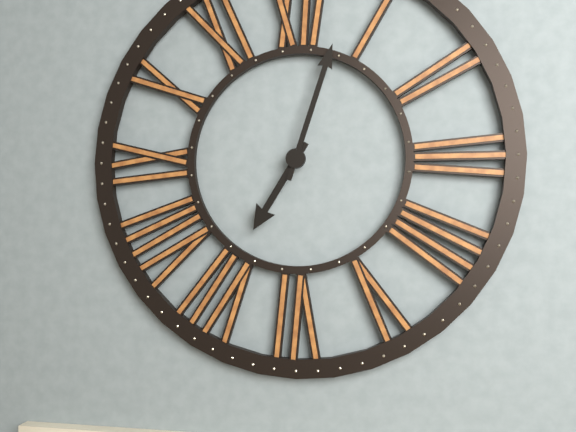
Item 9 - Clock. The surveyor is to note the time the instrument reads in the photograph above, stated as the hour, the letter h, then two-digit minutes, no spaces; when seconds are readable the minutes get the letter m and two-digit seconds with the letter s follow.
7h03
